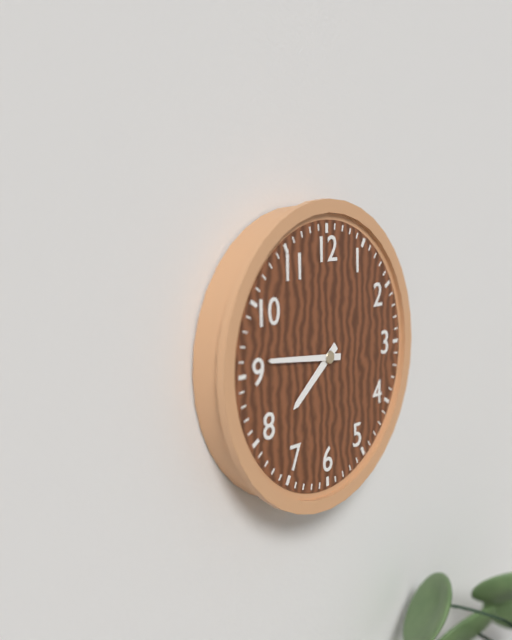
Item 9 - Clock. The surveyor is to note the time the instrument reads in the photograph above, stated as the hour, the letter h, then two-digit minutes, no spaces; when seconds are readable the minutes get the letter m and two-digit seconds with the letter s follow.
7h46
